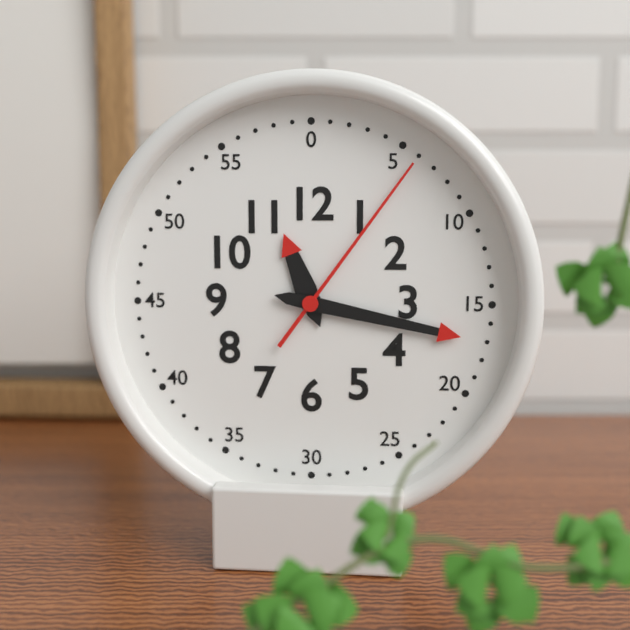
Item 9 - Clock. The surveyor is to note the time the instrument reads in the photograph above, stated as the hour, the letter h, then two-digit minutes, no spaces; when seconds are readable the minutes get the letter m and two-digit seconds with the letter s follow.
11h17m06s
